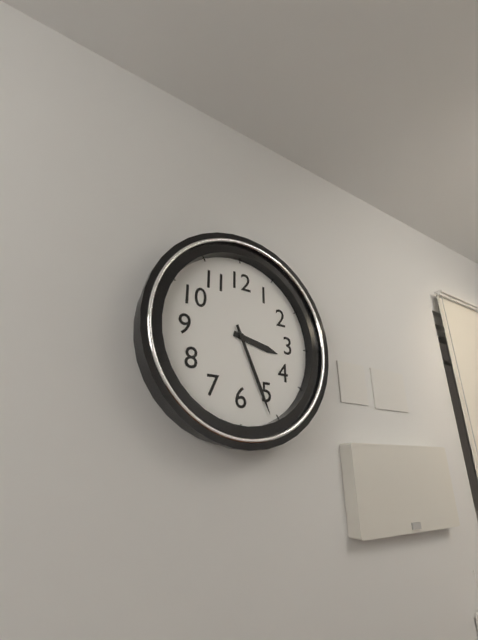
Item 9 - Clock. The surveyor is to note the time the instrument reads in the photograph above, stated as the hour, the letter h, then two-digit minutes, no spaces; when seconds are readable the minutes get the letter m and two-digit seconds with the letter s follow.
3h26
